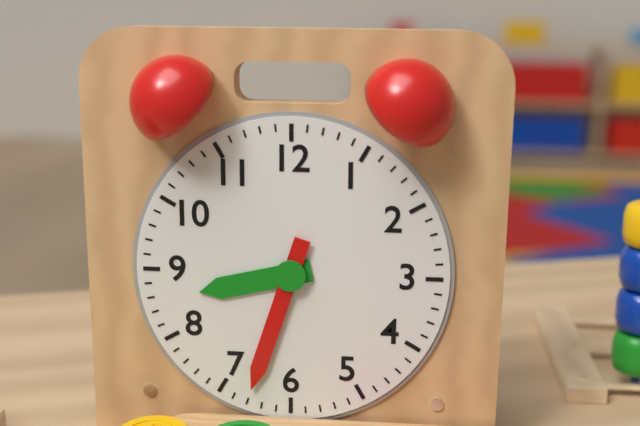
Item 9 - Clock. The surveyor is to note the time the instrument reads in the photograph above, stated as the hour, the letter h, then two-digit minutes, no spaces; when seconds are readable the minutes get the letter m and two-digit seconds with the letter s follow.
8h33
